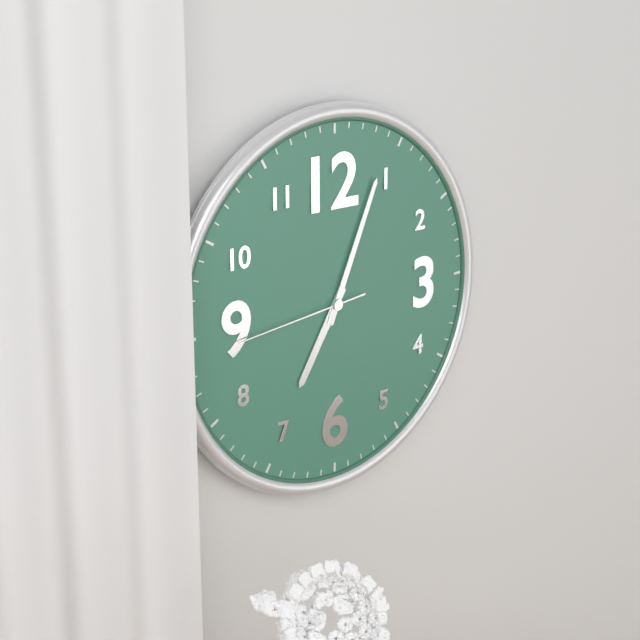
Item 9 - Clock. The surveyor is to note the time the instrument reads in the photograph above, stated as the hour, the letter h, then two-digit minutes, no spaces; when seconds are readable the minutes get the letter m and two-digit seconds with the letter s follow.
7h04m44s
